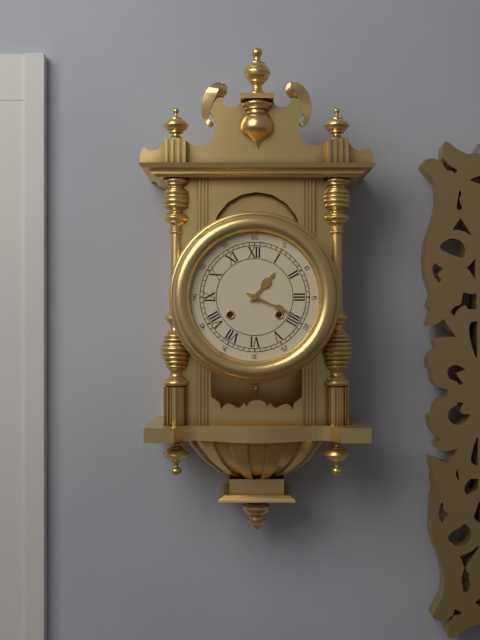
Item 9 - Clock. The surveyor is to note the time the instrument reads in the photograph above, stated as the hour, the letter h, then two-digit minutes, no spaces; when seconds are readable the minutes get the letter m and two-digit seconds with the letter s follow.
1h19
